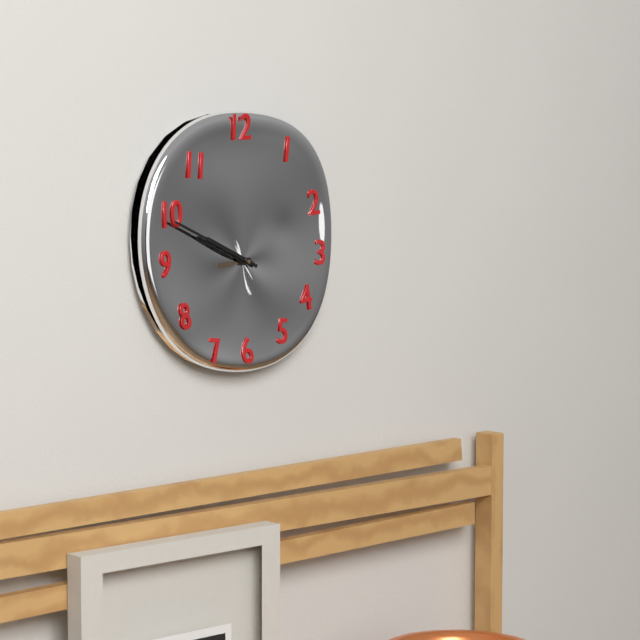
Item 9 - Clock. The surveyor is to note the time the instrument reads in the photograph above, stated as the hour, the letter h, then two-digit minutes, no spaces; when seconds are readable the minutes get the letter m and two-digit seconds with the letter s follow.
9h49
